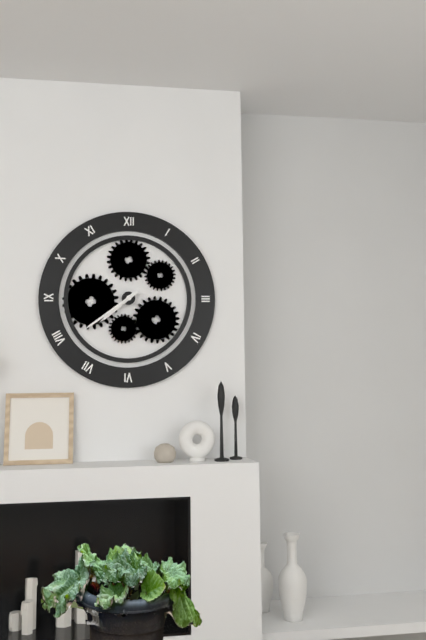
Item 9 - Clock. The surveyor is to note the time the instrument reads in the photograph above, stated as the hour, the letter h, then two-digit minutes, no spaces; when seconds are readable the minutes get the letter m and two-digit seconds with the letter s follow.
7h39
